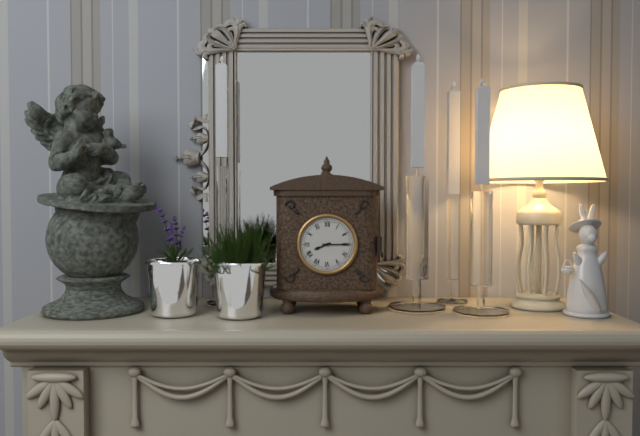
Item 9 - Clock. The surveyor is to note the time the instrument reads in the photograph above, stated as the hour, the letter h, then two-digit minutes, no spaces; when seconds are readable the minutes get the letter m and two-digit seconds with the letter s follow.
8h15
